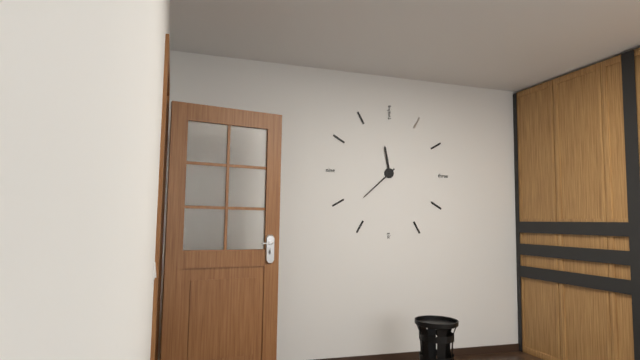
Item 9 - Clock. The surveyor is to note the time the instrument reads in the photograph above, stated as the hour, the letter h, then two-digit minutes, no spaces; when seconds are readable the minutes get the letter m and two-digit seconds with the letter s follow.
11h38
